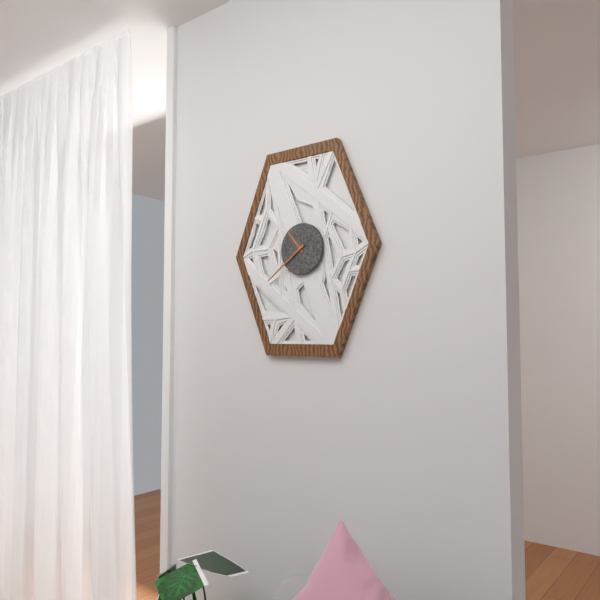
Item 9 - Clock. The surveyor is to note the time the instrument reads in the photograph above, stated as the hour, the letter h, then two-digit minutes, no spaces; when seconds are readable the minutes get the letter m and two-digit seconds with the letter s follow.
10h39
